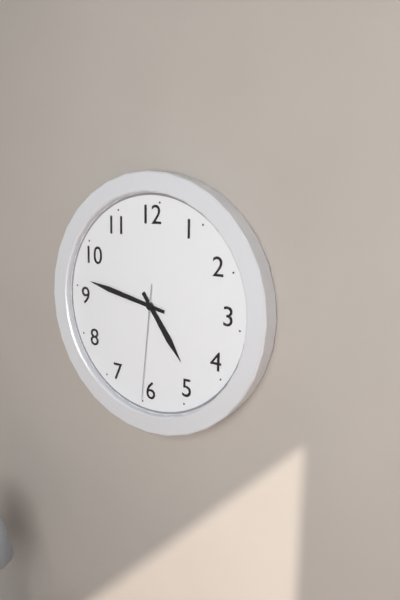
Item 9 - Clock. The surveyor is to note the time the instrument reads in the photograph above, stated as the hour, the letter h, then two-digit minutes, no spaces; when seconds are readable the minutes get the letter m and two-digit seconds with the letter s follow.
4h47m31s
